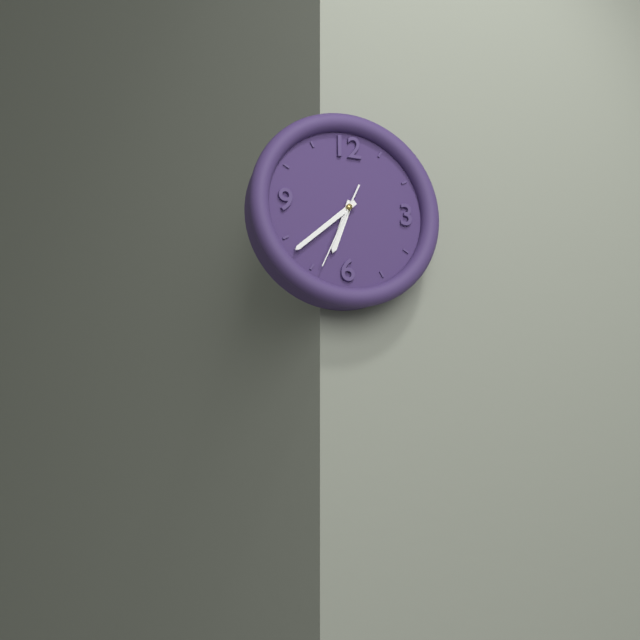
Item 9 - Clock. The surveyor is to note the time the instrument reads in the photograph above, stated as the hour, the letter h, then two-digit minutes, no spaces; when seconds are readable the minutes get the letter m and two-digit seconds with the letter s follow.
6h38m34s
